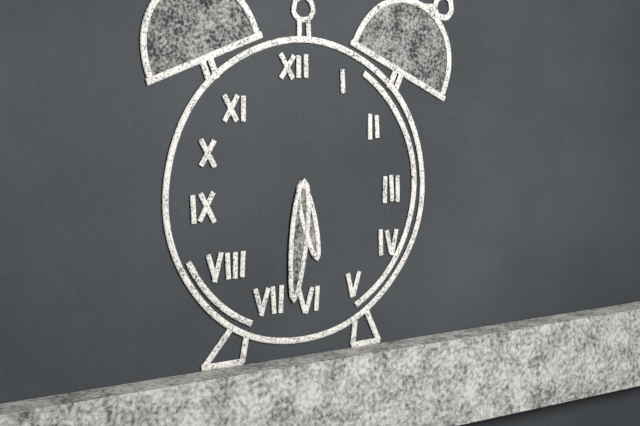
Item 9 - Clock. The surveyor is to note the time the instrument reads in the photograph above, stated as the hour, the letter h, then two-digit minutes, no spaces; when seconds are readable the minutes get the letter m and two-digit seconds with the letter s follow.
5h31
